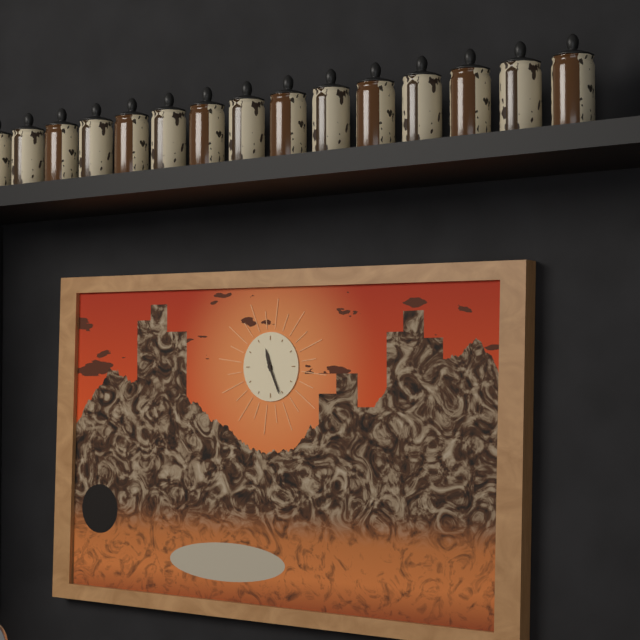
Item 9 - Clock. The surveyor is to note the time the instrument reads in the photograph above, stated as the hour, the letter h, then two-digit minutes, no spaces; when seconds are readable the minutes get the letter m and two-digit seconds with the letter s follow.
11h26
